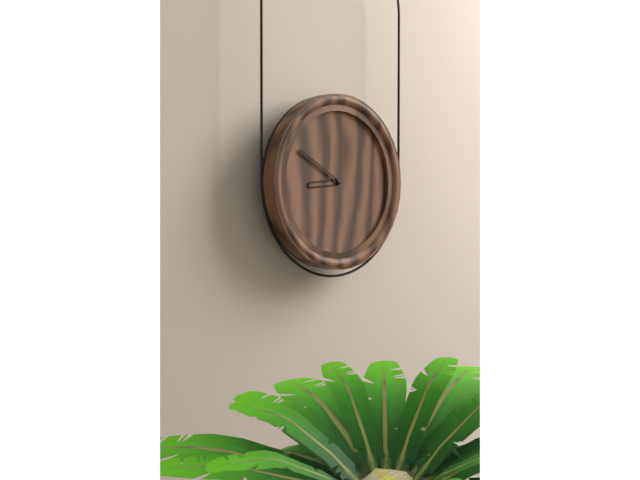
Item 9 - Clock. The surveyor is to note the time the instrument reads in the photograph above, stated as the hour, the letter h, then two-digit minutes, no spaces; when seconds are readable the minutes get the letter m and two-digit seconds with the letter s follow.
8h50
